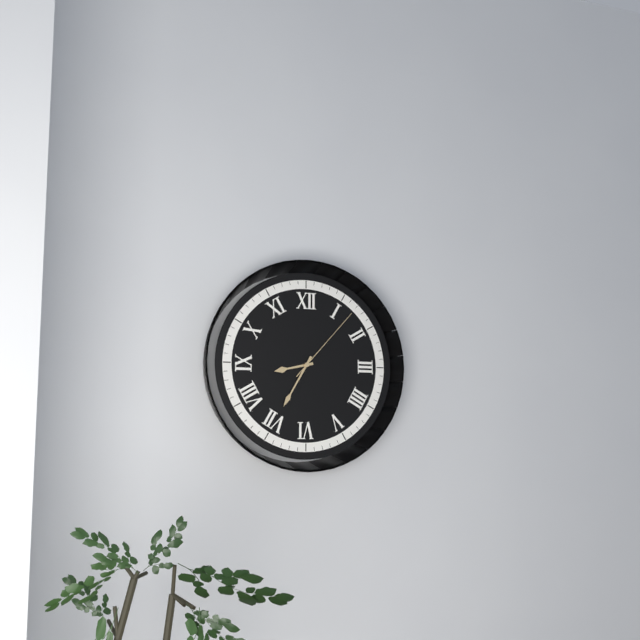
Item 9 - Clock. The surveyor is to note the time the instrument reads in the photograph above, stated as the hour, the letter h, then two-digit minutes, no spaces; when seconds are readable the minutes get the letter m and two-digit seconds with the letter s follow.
8h35m07s
